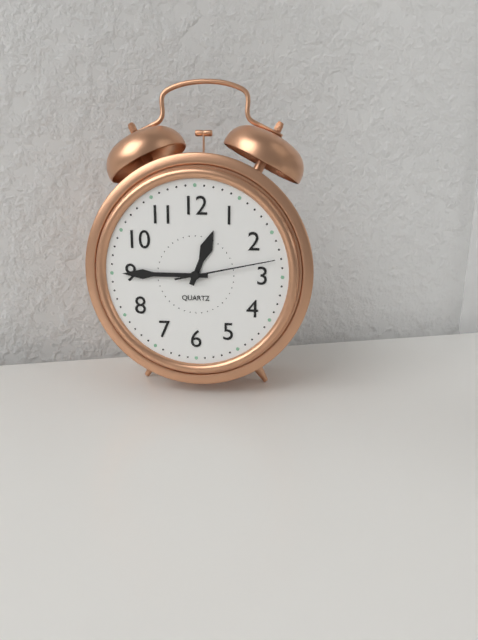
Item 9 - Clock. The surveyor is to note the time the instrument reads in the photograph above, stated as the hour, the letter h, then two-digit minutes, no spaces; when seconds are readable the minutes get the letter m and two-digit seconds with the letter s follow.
12h45m13s
